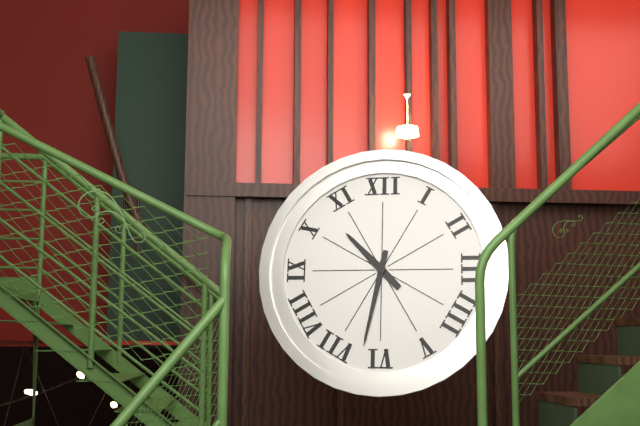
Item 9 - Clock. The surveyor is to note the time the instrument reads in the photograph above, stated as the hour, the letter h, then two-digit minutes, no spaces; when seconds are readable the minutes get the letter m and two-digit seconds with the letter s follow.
10h32
